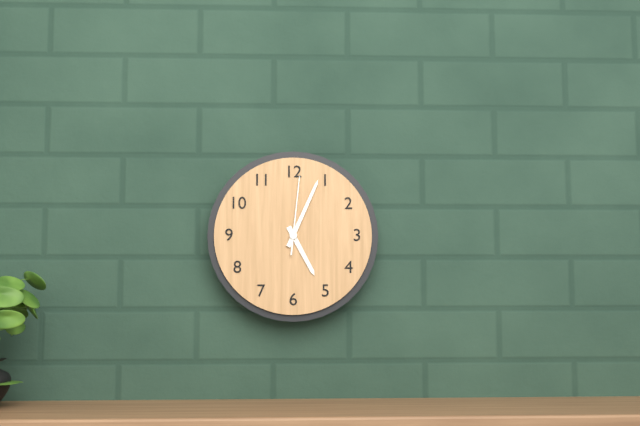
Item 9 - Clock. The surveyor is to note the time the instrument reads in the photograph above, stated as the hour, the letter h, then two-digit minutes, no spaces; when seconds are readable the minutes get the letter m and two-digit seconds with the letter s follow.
5h04m01s
